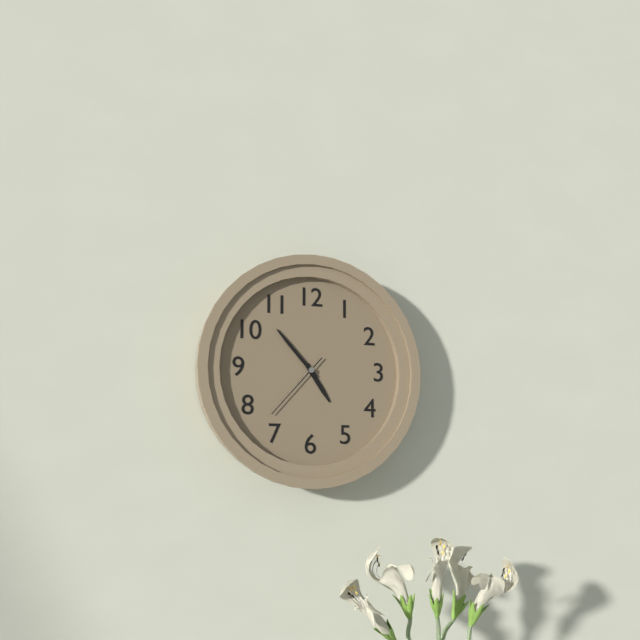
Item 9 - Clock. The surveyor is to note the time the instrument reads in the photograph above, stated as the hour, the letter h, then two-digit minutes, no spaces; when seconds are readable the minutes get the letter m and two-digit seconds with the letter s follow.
4h53m37s
